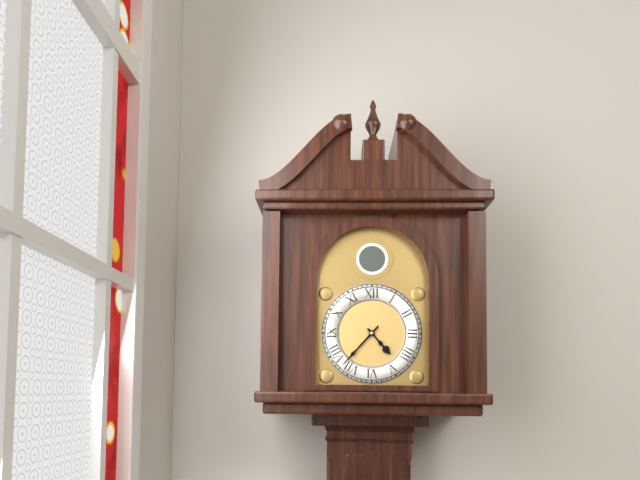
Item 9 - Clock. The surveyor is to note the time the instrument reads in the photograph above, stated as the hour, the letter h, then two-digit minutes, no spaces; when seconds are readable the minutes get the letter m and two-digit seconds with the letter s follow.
4h37
